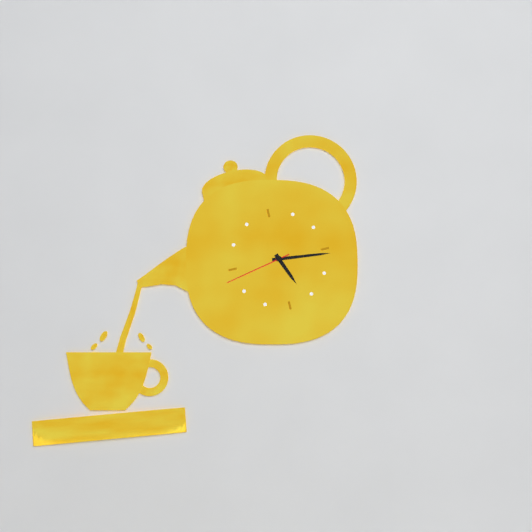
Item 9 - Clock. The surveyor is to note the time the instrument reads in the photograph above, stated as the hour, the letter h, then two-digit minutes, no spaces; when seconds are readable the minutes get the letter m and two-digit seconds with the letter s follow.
5h16m43s
